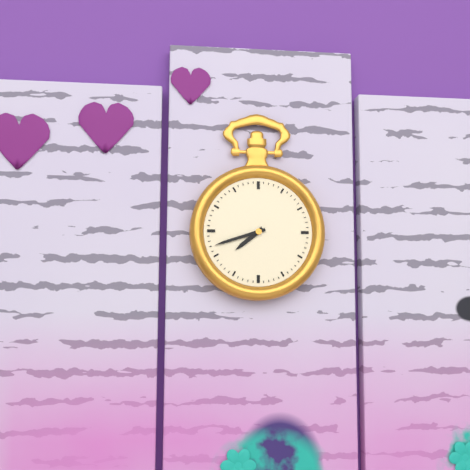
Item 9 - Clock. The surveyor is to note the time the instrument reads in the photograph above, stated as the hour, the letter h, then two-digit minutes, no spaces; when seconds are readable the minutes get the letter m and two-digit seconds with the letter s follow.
7h42
